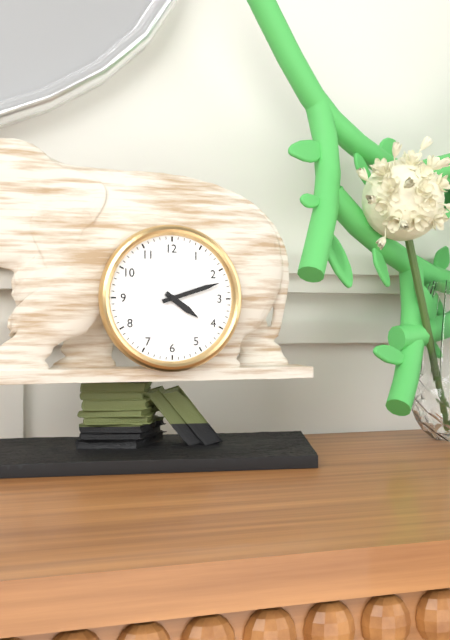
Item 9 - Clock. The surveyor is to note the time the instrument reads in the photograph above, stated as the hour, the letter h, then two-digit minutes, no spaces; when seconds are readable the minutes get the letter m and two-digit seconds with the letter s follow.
4h12
